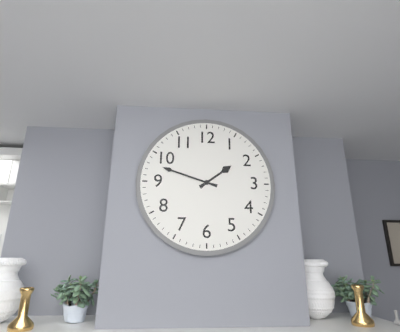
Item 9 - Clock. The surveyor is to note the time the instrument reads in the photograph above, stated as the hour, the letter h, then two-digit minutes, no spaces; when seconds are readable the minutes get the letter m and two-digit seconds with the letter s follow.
1h48
